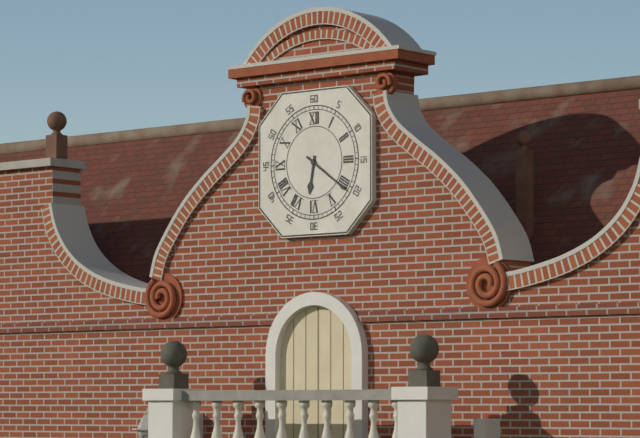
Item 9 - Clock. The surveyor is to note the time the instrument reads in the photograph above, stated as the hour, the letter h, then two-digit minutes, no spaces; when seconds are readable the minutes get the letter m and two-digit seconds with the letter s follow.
6h21
